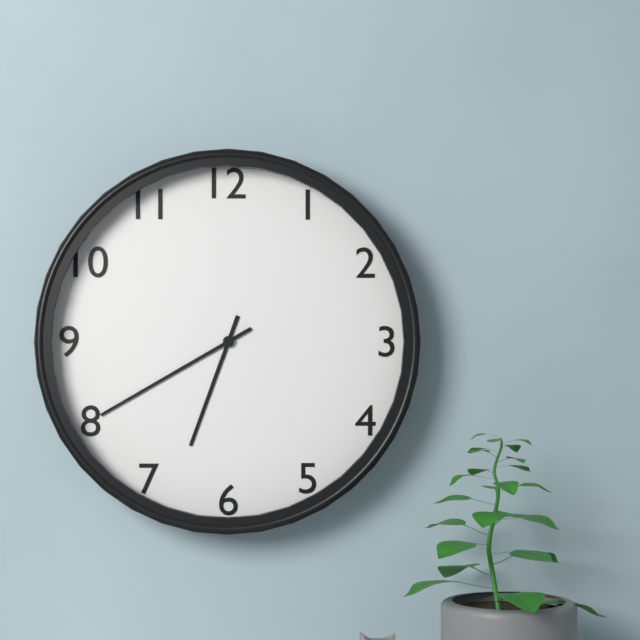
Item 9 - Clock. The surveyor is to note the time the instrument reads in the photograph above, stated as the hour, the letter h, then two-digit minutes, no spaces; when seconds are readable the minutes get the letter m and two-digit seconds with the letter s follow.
6h40
